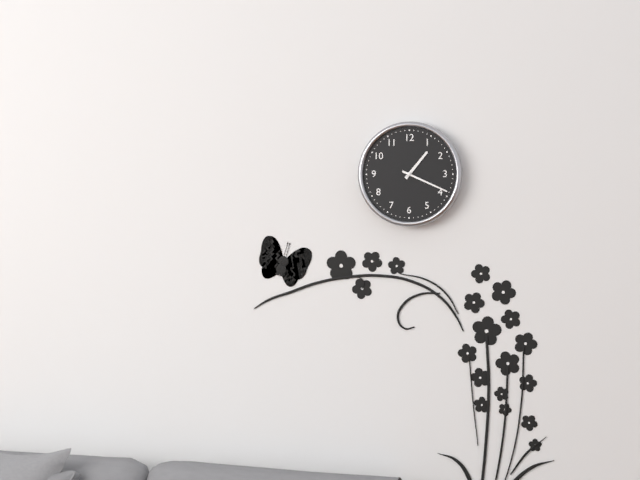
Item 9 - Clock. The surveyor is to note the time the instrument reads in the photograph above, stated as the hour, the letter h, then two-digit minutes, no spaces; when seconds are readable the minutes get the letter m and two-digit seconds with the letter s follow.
1h19
